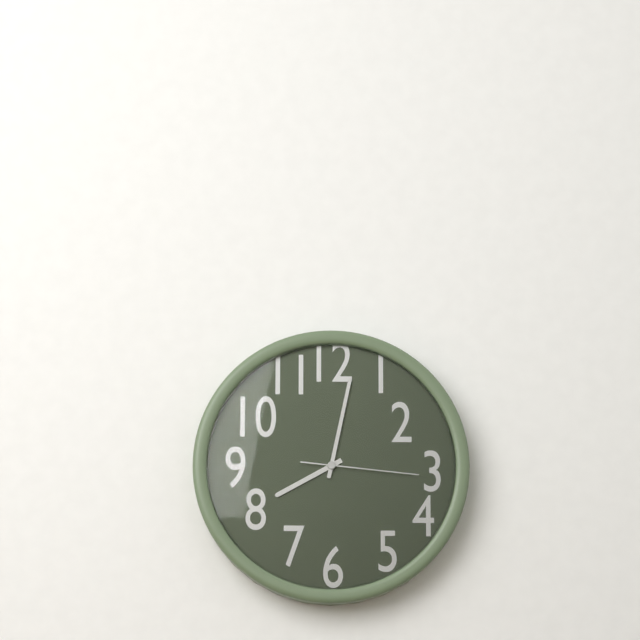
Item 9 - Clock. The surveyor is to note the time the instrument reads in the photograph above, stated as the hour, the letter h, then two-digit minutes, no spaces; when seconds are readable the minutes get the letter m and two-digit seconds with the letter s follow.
8h02m16s
